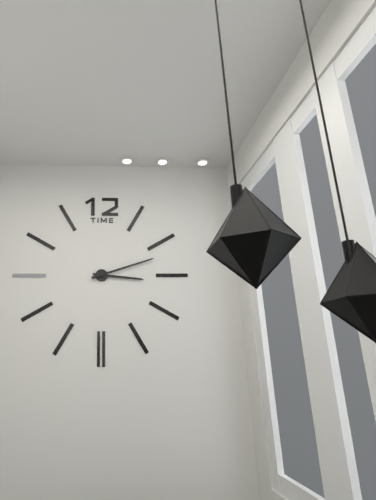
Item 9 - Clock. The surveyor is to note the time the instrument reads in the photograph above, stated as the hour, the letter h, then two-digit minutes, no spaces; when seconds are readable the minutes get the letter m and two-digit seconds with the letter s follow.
3h12
